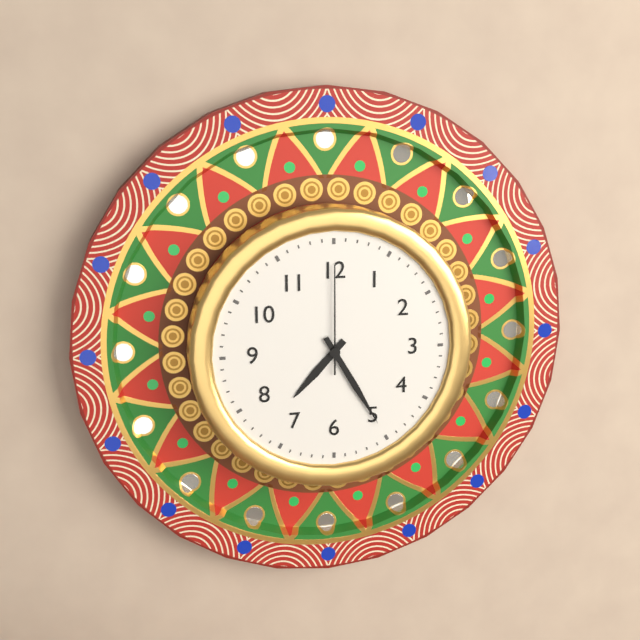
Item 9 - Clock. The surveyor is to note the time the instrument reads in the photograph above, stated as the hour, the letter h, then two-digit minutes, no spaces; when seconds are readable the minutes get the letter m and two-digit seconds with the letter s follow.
7h25m00s
